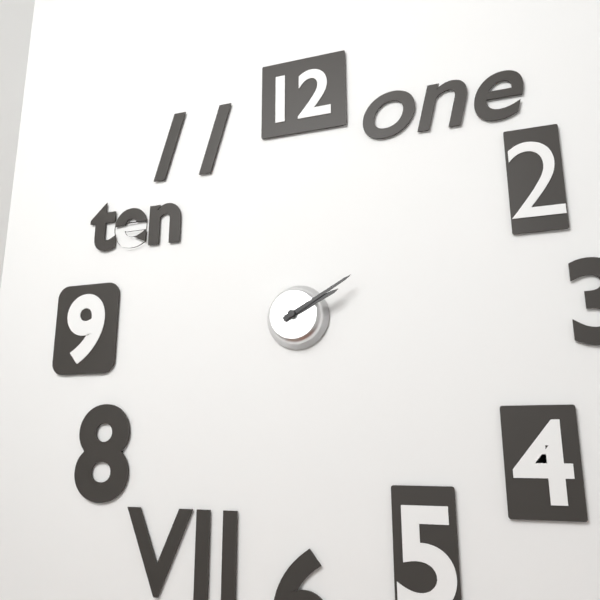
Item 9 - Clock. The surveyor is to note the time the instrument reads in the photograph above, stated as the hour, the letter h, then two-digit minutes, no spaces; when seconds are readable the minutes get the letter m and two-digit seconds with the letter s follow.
2h10
